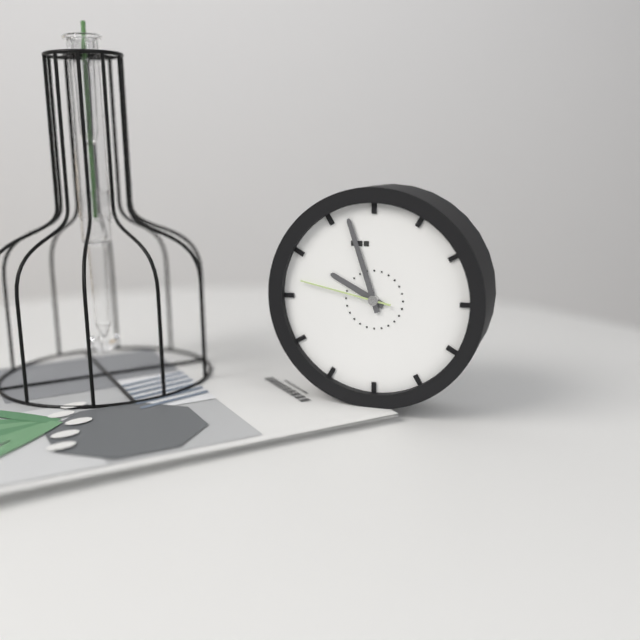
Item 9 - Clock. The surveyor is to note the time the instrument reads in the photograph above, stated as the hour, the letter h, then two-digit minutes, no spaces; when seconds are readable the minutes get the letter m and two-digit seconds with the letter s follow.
9h57m47s
